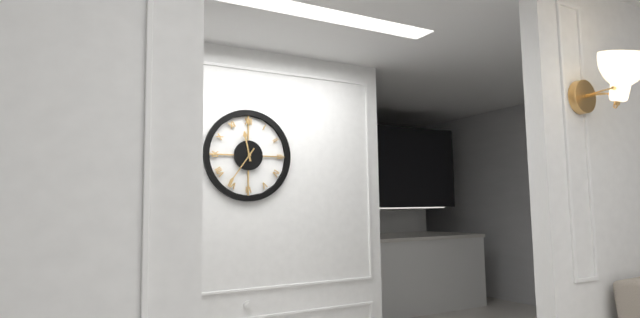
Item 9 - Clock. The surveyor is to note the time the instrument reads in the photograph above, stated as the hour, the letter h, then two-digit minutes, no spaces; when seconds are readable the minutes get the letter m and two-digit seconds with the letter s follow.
11h36
